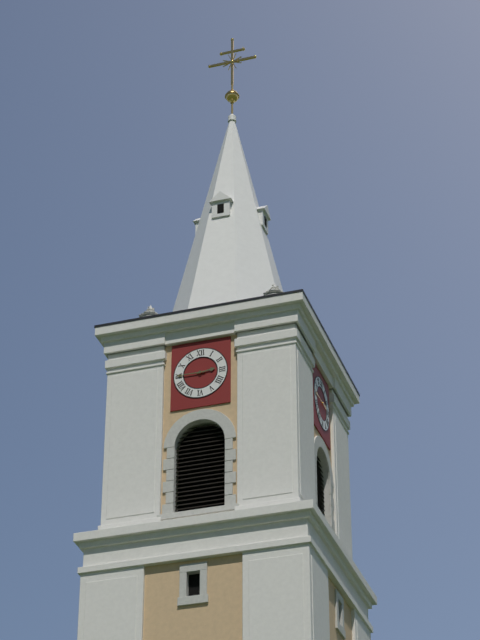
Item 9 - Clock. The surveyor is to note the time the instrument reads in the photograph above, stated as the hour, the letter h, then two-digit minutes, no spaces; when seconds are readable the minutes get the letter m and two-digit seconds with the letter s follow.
2h45
